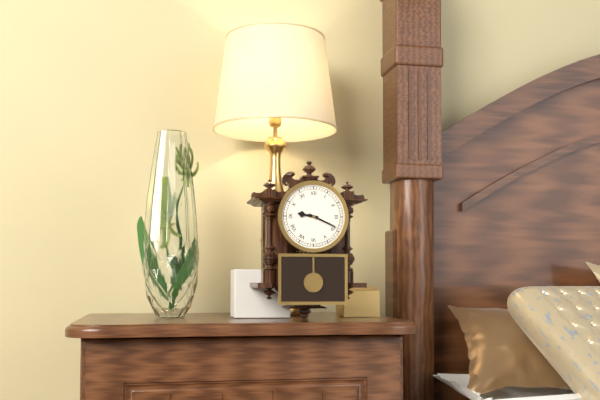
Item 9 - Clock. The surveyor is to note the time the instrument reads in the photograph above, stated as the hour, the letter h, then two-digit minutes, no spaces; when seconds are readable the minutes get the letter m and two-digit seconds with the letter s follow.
9h19
